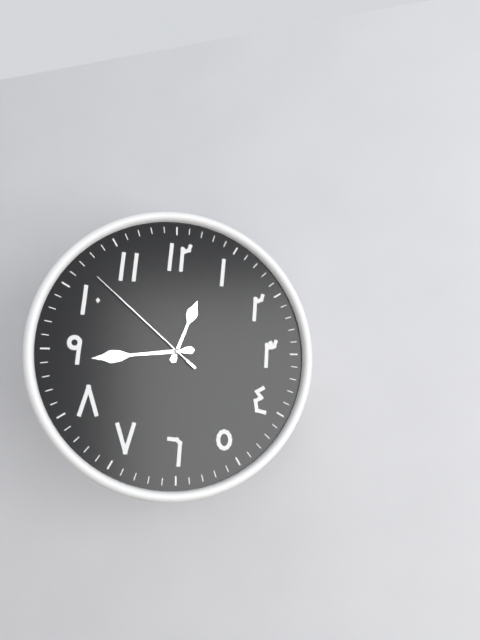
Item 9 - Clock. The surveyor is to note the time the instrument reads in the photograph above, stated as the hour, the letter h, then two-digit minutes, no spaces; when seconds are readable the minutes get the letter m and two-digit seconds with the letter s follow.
12h44m52s
